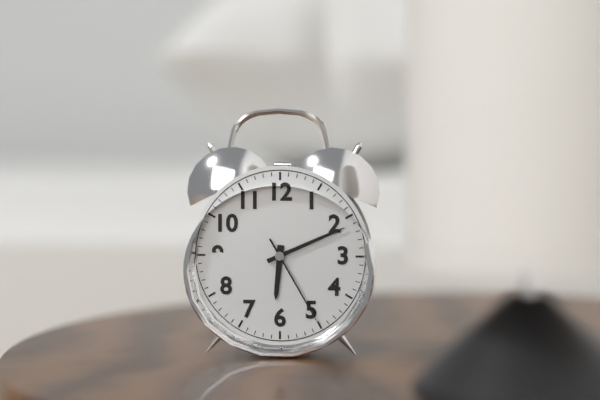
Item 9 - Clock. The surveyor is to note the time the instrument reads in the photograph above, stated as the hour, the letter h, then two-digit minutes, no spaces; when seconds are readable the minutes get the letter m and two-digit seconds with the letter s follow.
6h11m25s
